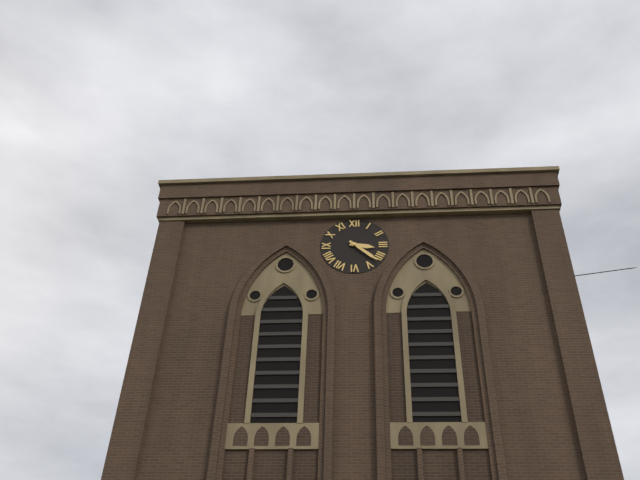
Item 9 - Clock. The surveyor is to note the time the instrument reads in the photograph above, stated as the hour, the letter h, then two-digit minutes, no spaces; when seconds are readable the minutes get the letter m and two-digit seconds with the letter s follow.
3h22
